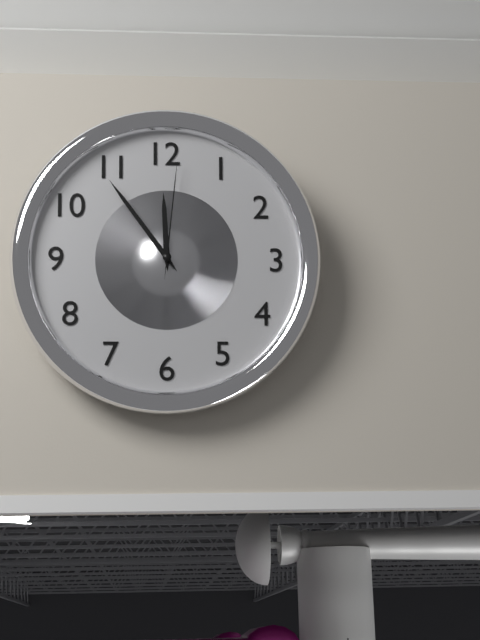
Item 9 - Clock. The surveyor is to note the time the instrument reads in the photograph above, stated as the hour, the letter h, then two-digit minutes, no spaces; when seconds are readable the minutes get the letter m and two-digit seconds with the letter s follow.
11h54m01s
